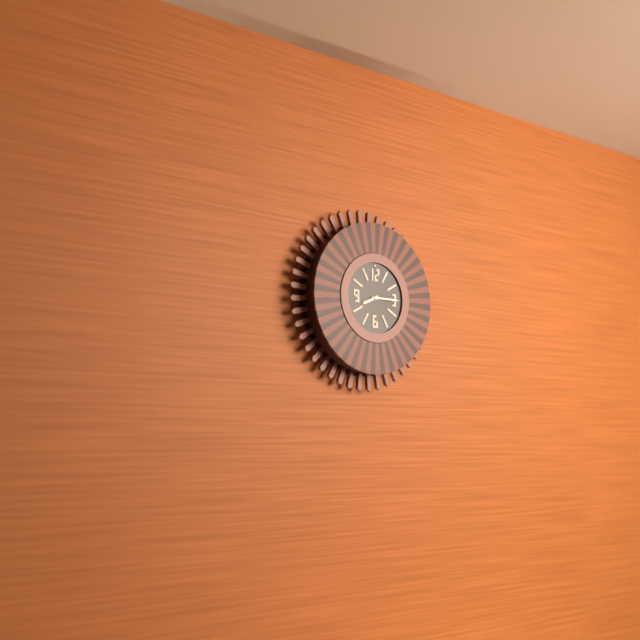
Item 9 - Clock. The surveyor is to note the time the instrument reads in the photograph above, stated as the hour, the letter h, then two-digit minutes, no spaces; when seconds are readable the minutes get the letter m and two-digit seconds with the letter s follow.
8h15
